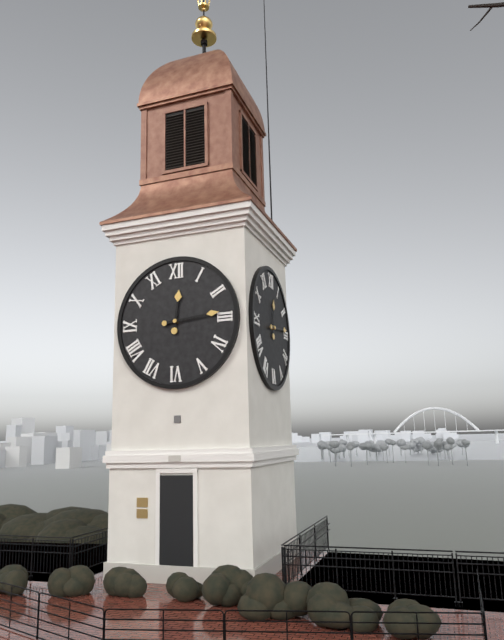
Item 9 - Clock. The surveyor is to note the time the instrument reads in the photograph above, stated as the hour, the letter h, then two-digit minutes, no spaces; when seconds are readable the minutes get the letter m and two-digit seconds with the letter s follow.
12h14
